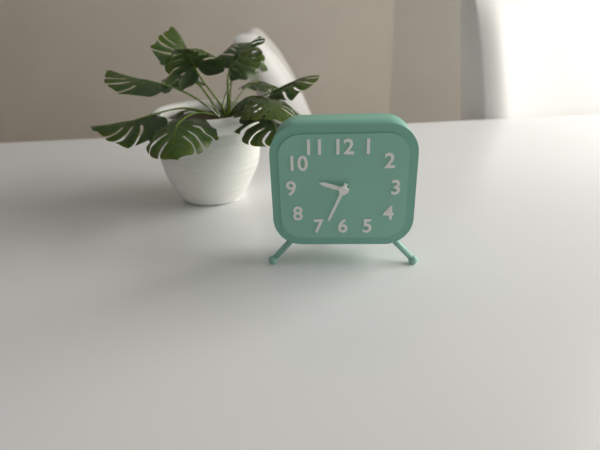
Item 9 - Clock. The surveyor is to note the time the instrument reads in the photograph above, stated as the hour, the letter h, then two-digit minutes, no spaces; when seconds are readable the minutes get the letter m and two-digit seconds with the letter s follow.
9h34
